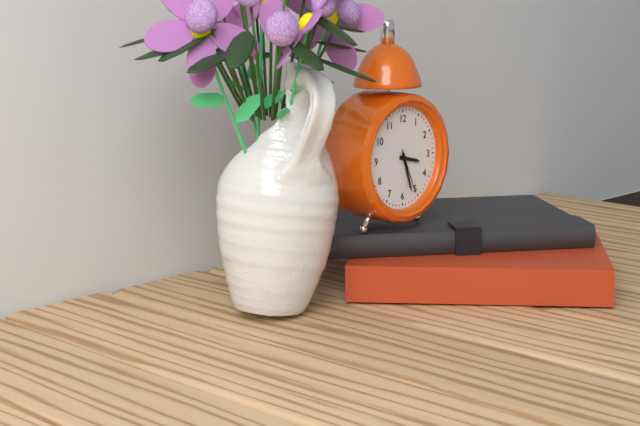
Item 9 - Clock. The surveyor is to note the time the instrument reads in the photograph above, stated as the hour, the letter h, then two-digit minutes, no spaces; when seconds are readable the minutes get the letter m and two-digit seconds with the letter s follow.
3h27m26s
